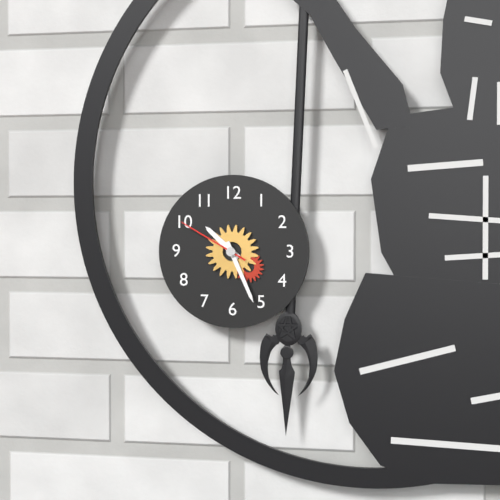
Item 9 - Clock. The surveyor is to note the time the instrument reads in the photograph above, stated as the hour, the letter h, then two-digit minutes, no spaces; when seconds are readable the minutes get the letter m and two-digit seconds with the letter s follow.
10h26m50s
